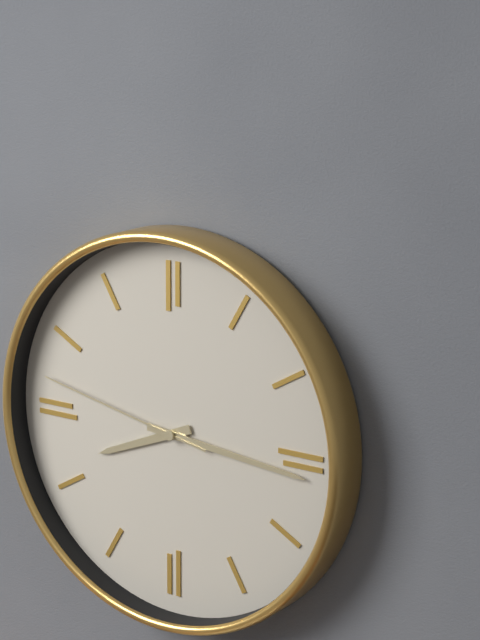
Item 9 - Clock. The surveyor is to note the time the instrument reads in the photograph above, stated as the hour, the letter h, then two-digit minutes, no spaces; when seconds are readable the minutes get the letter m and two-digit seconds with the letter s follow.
8h16m47s
